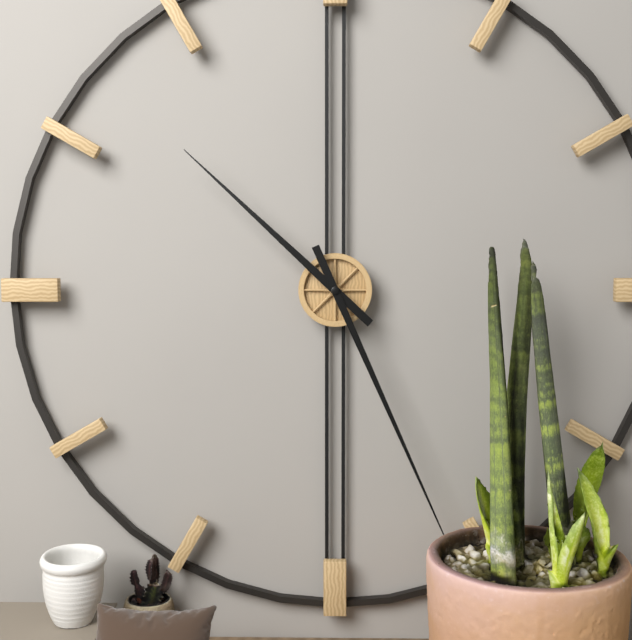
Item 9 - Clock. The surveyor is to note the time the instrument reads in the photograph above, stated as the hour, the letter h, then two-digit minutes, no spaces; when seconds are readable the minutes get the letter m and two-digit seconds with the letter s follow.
10h26
